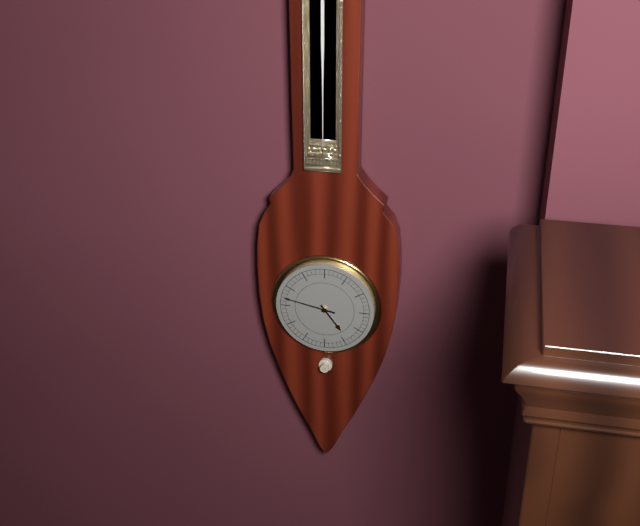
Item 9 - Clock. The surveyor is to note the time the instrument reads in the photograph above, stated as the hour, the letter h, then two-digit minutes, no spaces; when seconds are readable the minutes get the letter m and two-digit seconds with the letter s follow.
4h47
